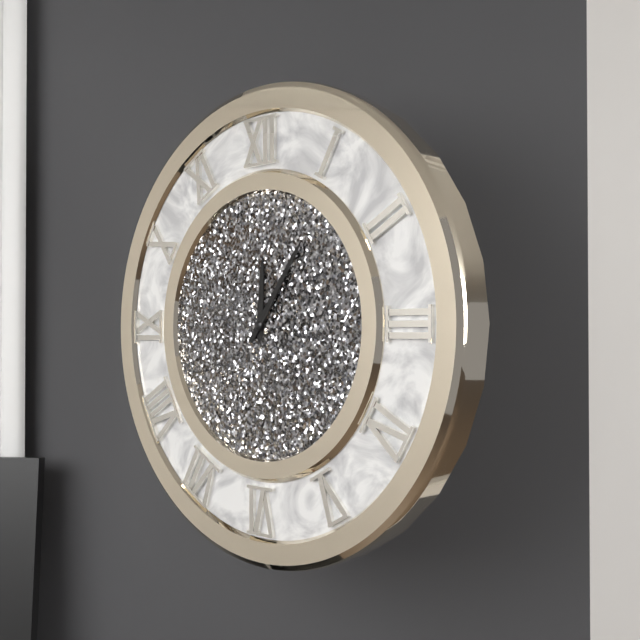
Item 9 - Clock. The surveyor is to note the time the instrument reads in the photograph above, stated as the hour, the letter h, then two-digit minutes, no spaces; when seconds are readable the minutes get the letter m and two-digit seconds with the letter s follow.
12h06
